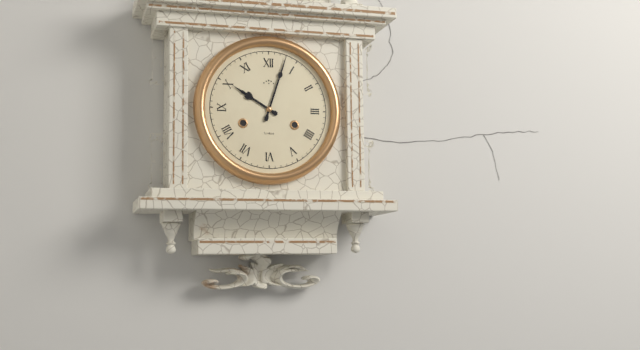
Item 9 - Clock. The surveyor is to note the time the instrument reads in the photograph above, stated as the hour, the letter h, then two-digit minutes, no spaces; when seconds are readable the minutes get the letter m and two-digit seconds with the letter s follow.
10h03
